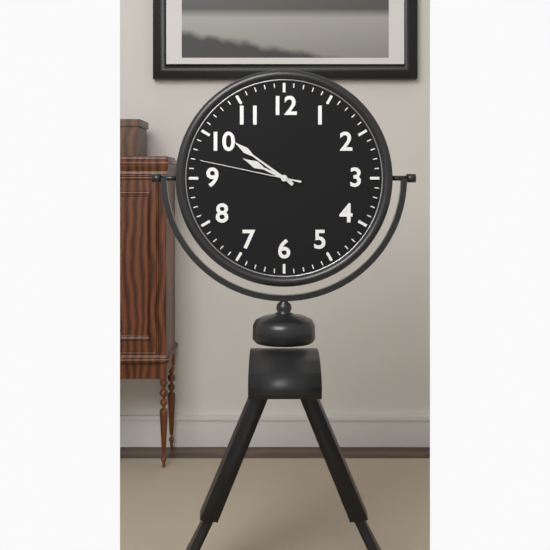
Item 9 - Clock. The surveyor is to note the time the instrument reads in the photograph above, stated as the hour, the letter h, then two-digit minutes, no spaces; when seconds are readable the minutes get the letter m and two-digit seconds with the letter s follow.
9h51m47s
